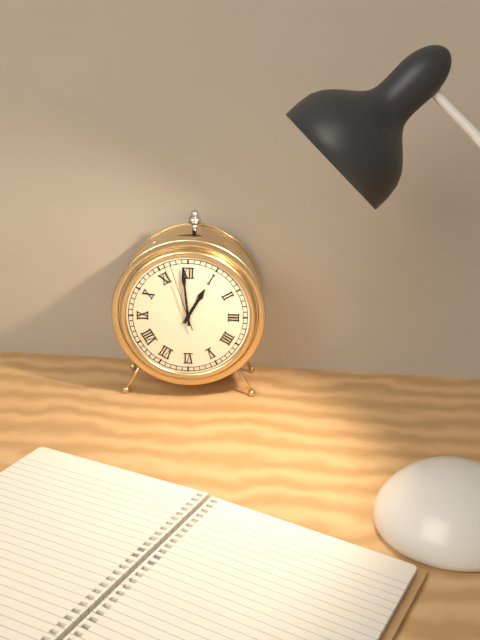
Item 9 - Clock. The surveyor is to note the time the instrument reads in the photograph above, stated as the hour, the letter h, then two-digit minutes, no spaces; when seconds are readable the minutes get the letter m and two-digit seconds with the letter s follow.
12h59m57s
